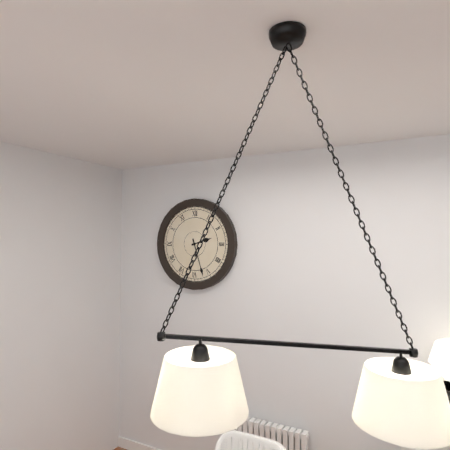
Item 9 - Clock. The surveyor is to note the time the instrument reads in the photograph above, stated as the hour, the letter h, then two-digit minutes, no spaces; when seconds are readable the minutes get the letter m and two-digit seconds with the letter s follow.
2h27
